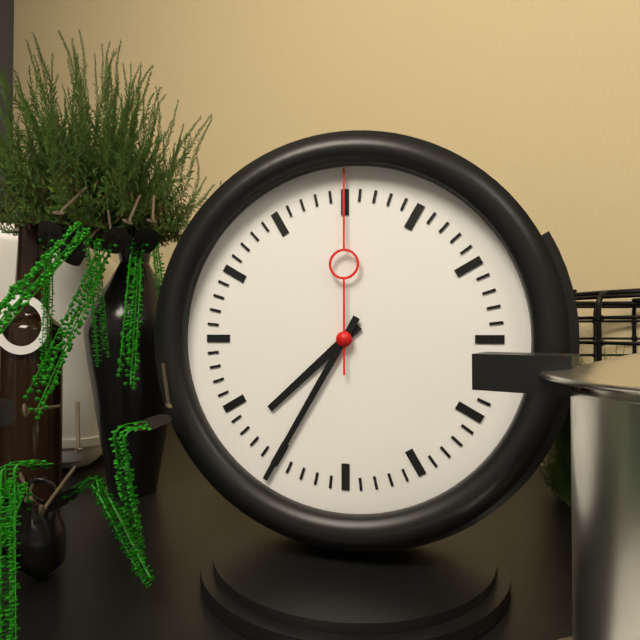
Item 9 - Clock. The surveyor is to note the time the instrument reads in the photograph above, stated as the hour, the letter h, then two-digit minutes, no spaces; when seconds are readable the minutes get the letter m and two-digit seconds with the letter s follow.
7h35m00s
